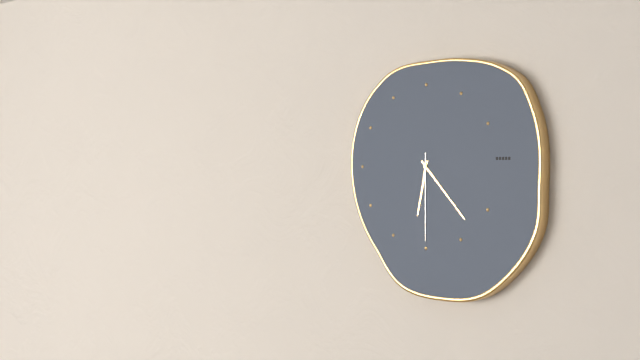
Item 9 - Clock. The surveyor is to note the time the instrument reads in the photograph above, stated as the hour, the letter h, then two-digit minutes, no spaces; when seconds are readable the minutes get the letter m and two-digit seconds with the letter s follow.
6h23m30s
